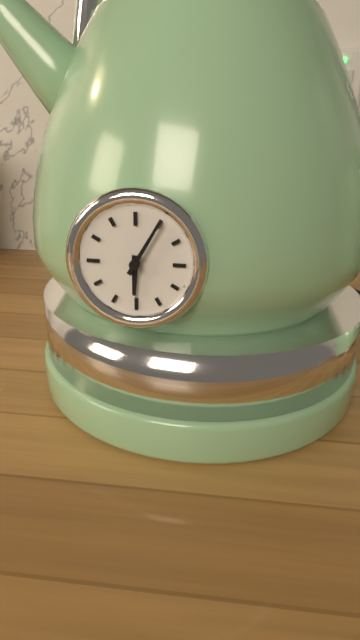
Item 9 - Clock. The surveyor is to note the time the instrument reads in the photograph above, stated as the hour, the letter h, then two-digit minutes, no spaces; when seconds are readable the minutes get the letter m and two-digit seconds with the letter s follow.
6h05
